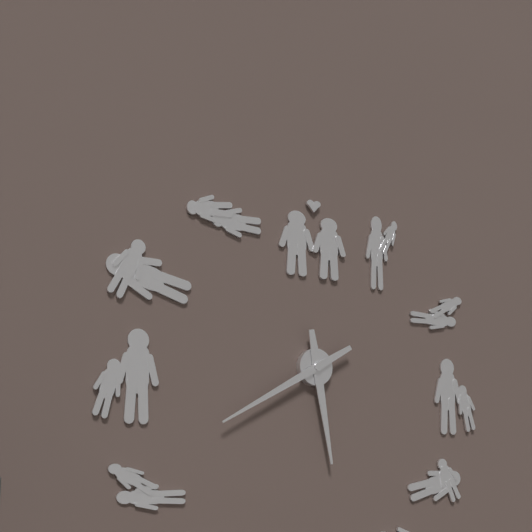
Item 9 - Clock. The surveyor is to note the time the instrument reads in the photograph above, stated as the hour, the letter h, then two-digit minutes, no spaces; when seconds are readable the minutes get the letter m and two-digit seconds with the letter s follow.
5h40
